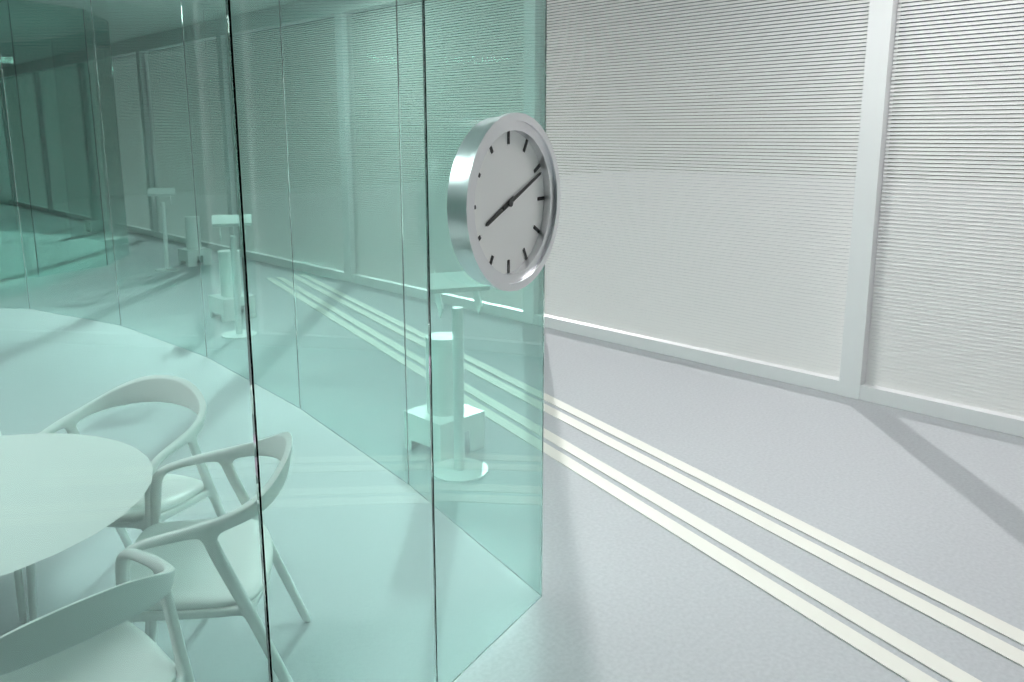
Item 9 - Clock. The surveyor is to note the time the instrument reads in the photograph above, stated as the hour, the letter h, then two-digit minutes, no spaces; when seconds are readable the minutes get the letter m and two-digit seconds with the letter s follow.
8h11
